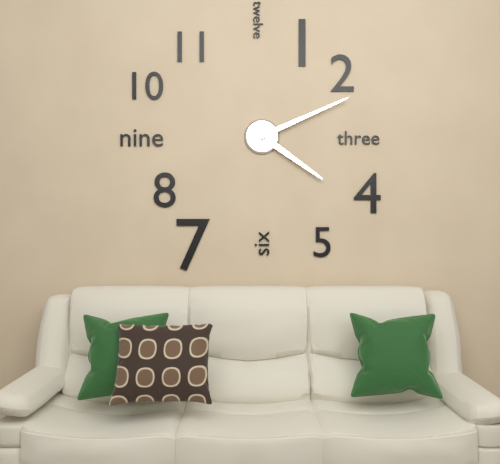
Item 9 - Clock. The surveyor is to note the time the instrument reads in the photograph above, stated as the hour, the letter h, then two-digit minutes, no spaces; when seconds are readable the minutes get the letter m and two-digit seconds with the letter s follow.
4h11
